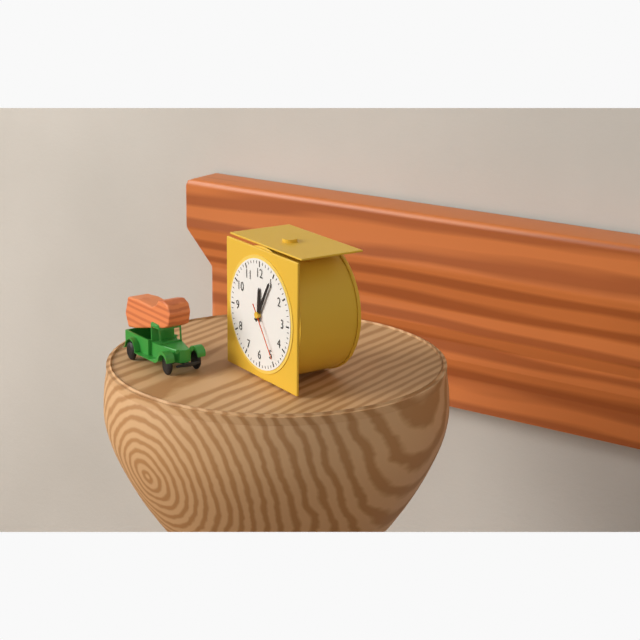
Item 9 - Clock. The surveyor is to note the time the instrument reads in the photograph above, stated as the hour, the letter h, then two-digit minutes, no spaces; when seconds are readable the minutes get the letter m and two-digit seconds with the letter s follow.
12h05m24s
